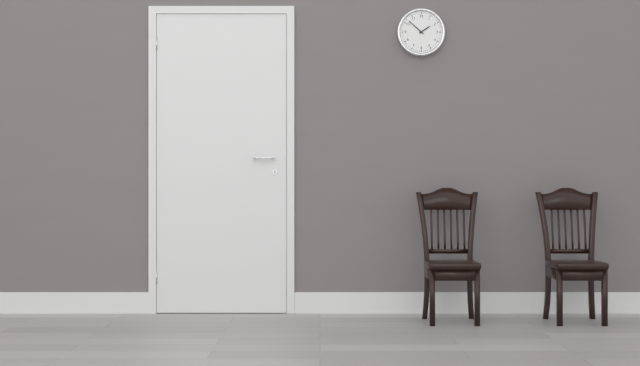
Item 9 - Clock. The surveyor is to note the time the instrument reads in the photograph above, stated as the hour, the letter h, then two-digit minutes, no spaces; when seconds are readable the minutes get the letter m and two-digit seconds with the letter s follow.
1h52
